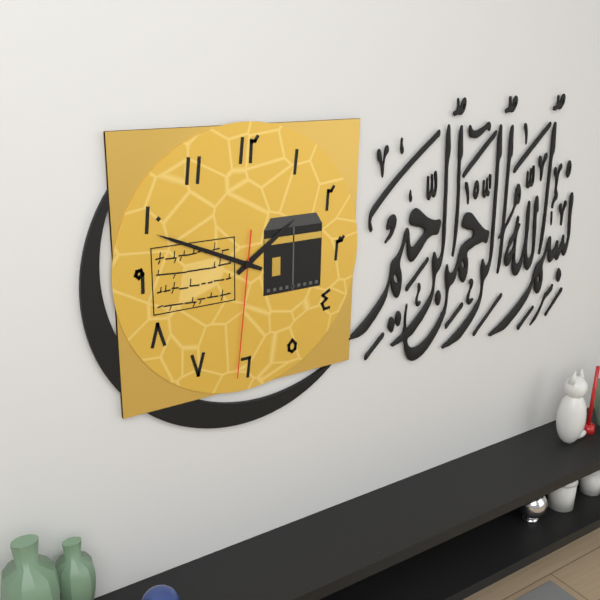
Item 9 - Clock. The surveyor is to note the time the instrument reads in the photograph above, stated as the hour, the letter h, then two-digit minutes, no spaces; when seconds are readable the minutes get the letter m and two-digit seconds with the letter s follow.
1h49m31s
